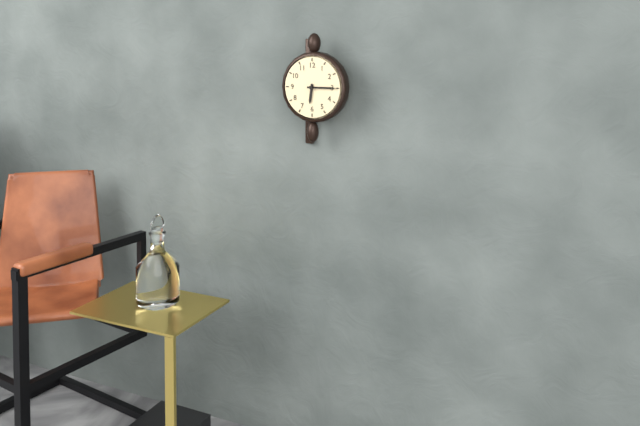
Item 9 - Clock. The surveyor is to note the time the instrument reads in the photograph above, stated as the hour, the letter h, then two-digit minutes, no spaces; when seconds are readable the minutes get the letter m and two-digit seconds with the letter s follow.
6h15
